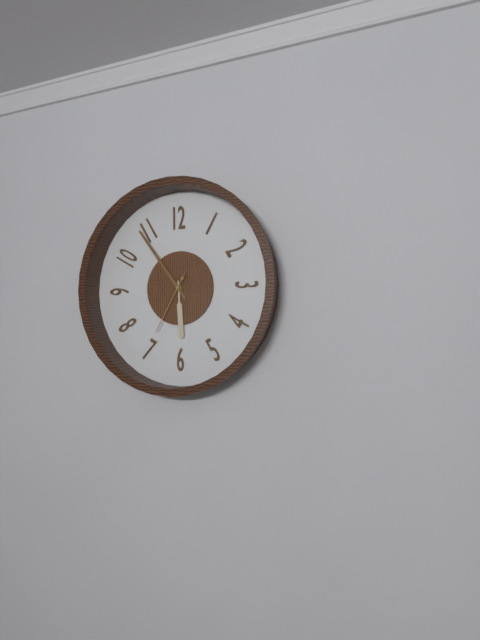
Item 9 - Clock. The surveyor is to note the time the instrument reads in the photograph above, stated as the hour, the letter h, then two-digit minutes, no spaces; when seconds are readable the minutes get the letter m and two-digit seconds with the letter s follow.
5h54m35s
